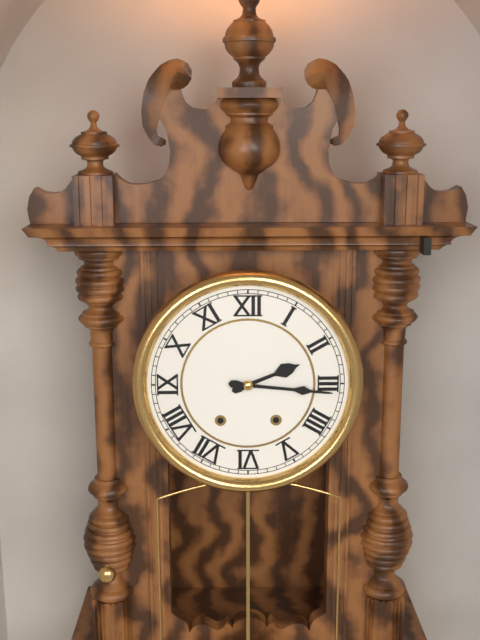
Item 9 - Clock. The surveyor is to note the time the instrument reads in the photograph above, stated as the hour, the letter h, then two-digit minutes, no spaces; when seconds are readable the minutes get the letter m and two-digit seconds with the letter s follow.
2h16
